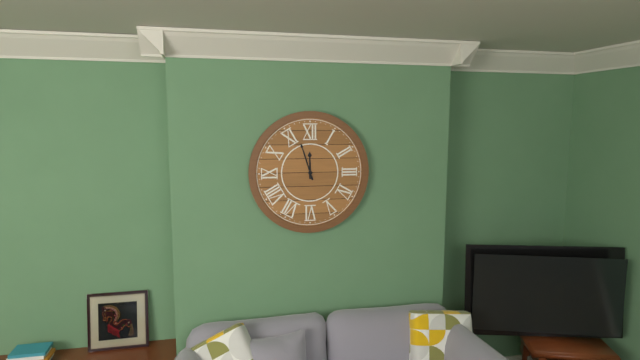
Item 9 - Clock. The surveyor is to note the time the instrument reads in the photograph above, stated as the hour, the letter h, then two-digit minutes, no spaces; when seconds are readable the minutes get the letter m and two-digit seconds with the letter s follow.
11h57
